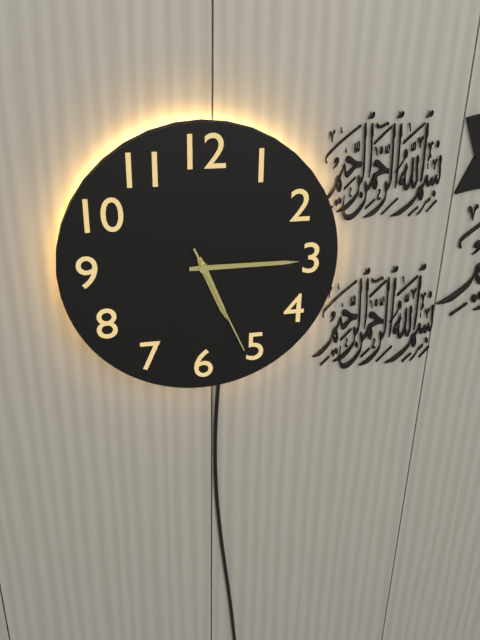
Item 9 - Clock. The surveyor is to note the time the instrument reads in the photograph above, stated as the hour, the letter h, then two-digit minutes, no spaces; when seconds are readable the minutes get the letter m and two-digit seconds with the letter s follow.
5h15m26s
